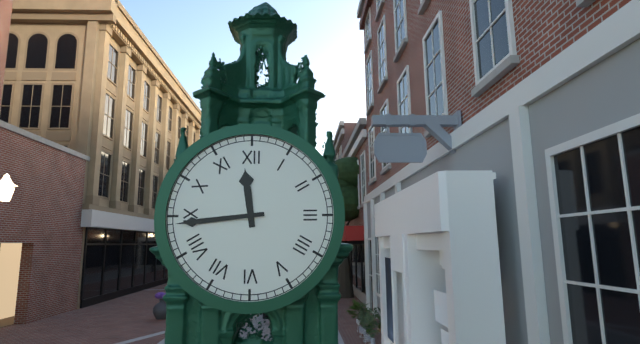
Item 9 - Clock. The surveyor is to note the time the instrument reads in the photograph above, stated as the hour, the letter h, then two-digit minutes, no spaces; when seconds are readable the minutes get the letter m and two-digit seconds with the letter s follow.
11h44
